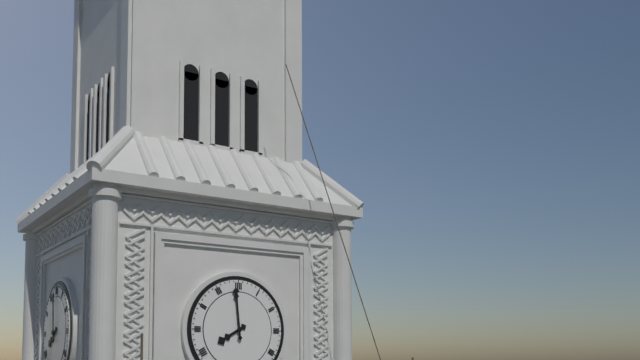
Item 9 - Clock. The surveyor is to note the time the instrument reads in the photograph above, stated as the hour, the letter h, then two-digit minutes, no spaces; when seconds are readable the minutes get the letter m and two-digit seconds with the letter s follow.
7h59
